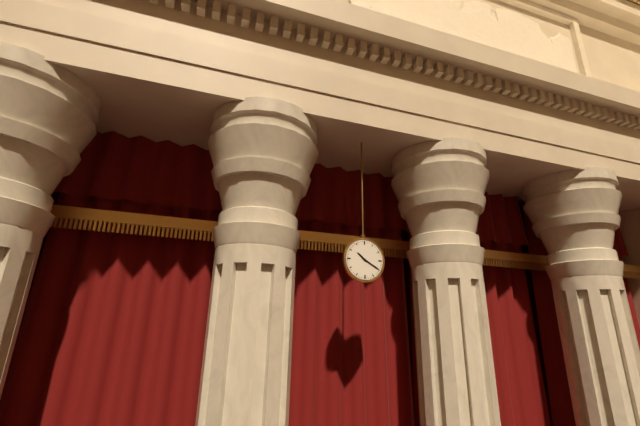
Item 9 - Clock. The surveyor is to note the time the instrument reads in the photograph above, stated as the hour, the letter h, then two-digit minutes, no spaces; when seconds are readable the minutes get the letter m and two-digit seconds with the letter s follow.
10h20
